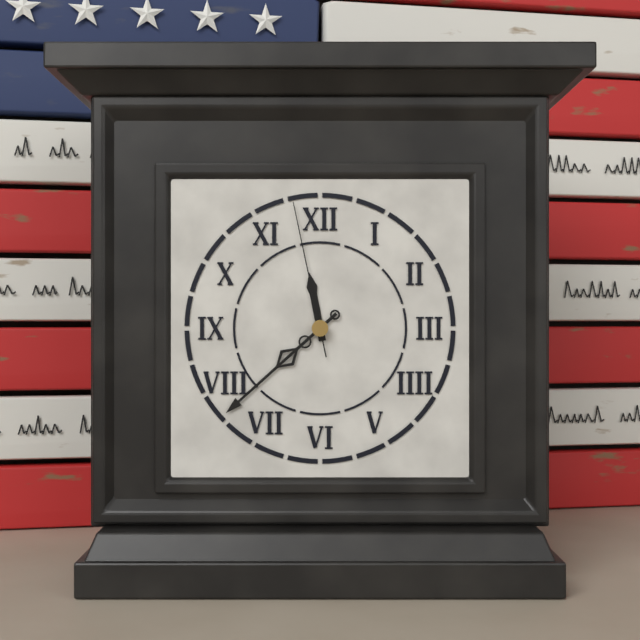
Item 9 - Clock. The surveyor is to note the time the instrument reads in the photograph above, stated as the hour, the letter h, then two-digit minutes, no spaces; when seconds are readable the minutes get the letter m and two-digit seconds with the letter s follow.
11h38m58s
